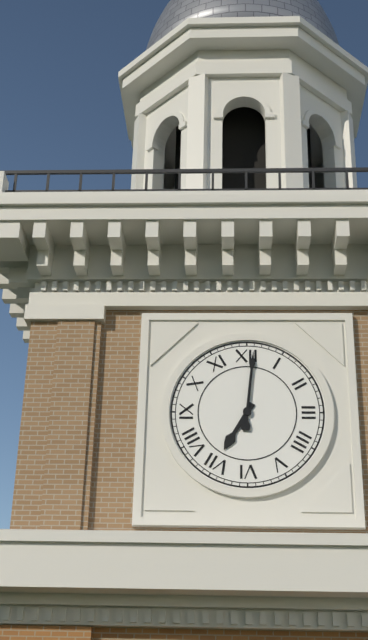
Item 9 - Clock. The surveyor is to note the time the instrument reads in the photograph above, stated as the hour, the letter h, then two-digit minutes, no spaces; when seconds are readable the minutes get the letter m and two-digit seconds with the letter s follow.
7h01
